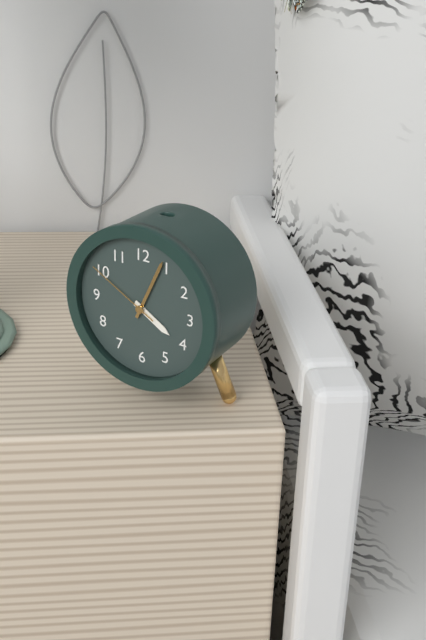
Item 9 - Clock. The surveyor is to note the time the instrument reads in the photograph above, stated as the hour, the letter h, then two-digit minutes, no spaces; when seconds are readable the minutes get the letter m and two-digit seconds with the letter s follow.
4h04m50s
